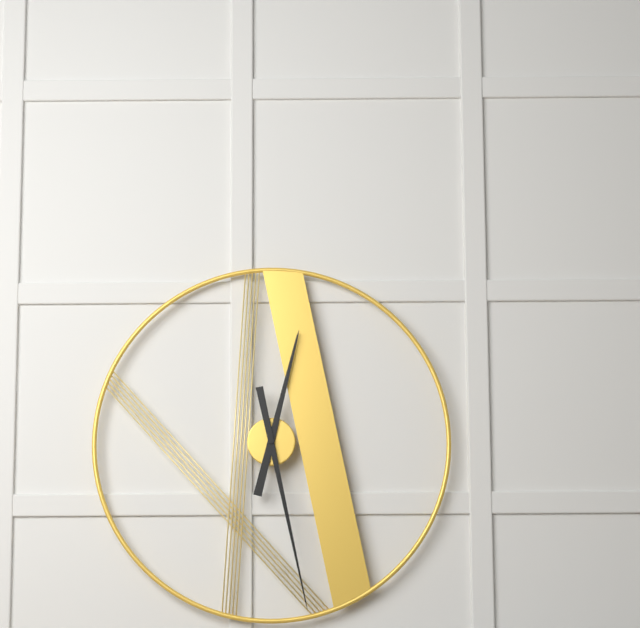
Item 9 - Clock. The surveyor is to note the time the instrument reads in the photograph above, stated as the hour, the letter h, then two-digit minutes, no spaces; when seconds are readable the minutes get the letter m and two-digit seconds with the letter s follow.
12h28
